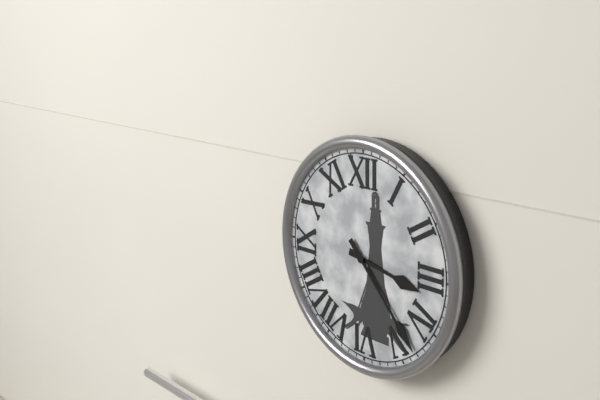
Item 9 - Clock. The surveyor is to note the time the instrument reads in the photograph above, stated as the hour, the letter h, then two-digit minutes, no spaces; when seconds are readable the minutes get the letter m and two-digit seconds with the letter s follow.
3h23
